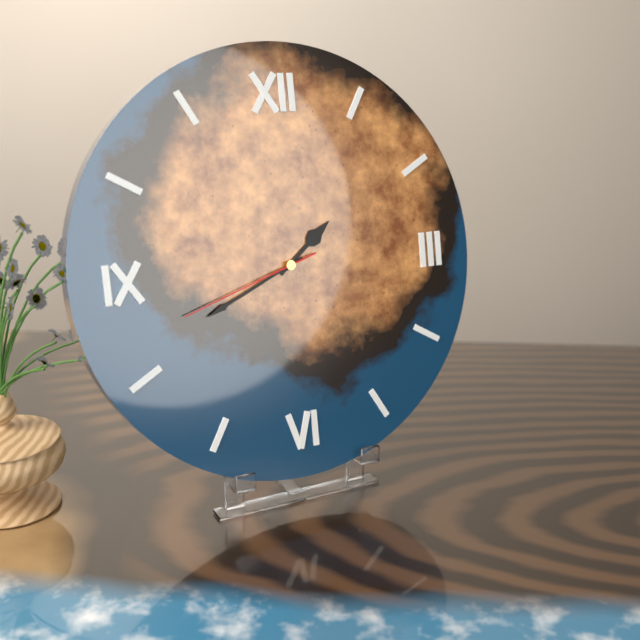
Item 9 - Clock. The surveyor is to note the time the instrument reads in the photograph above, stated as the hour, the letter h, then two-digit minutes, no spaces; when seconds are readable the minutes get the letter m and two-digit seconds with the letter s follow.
1h41m42s
